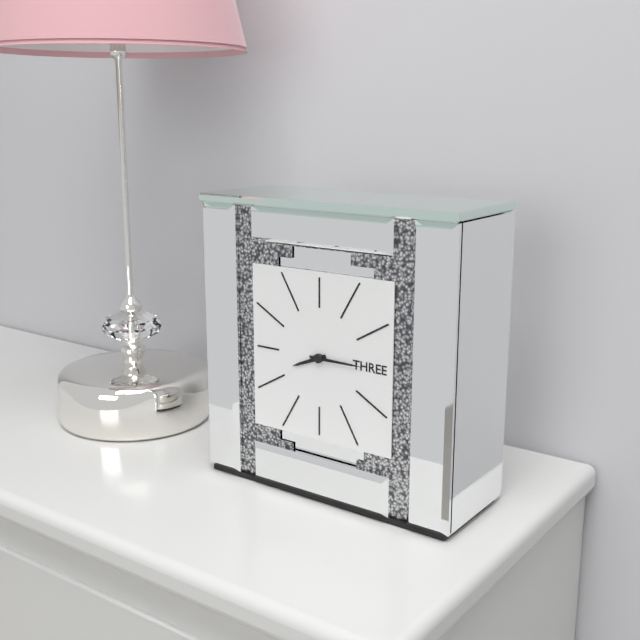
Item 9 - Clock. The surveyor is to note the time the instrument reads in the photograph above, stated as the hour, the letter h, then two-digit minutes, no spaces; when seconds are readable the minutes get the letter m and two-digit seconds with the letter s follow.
8h15
